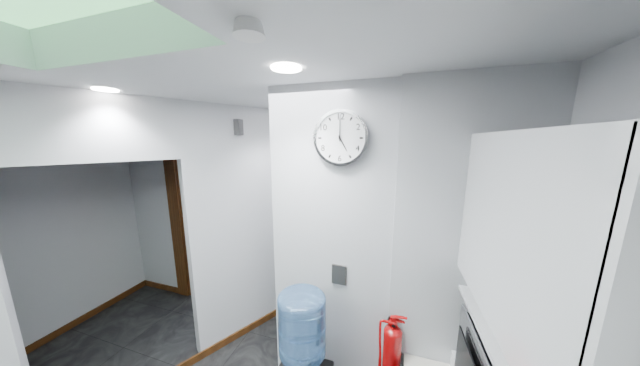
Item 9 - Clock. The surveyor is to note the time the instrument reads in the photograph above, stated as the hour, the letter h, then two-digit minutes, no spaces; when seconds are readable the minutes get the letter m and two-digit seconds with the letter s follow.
5h00
